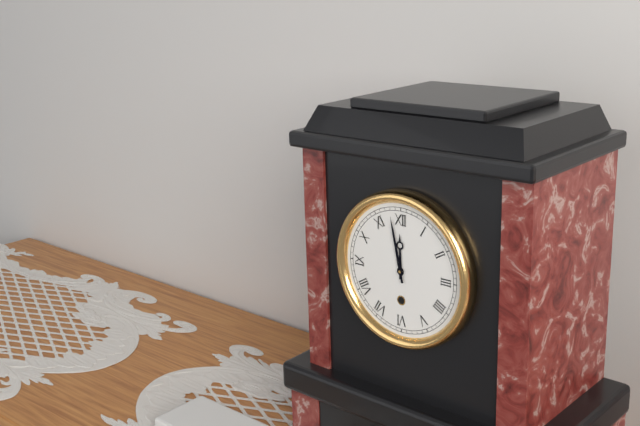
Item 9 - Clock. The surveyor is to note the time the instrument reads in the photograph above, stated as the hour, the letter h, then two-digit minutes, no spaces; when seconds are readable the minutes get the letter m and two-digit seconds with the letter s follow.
11h58
